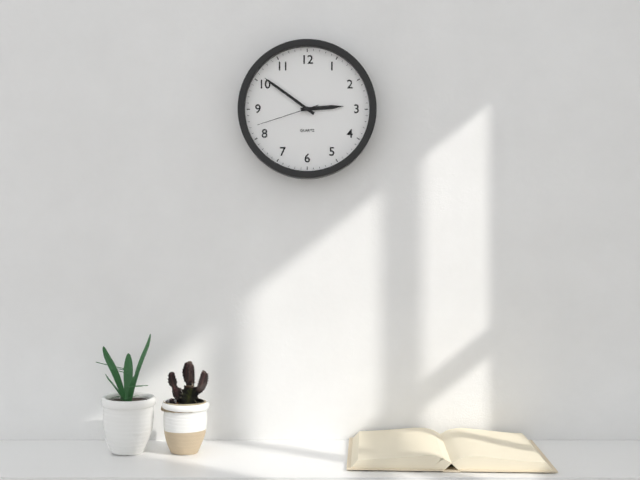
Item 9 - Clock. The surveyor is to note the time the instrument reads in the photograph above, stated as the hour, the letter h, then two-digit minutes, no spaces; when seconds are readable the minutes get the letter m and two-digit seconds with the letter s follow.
2h51m42s
